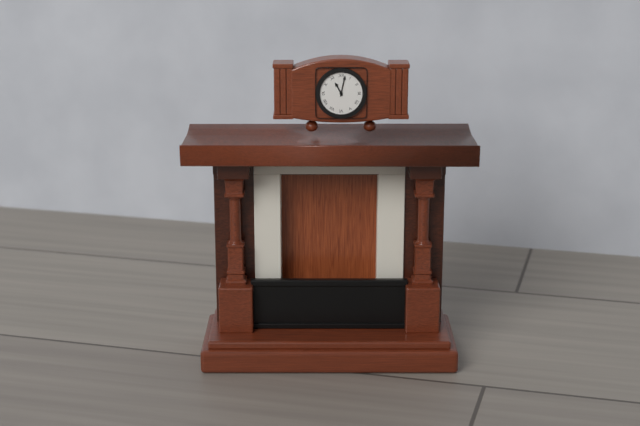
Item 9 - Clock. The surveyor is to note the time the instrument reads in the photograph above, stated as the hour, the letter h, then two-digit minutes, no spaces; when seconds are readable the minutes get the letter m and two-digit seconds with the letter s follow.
11h02
